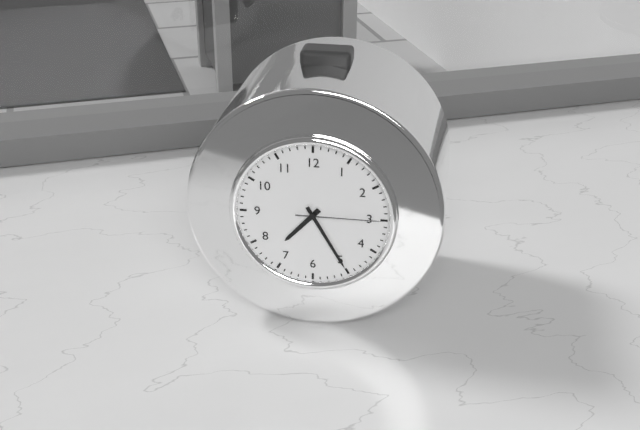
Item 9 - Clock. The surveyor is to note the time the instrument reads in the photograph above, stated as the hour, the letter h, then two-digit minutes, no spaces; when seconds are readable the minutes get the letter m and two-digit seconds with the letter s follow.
7h25m15s
